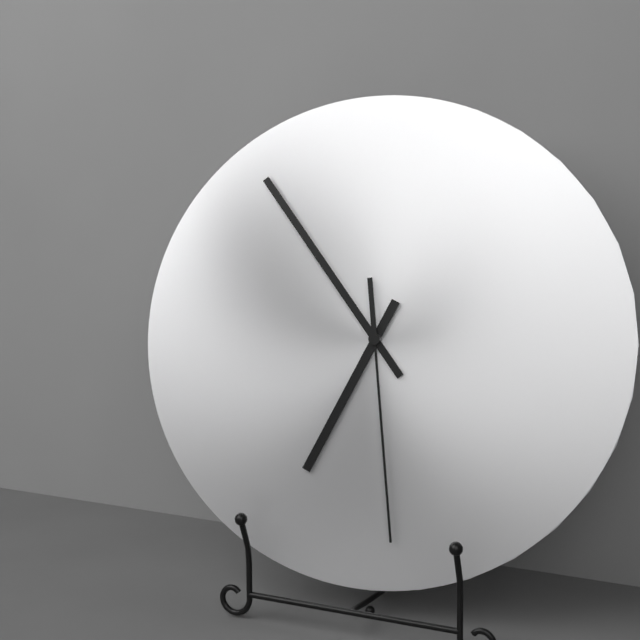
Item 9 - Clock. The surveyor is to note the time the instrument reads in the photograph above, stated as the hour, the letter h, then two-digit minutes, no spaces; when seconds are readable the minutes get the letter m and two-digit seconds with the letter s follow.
6h54m29s
